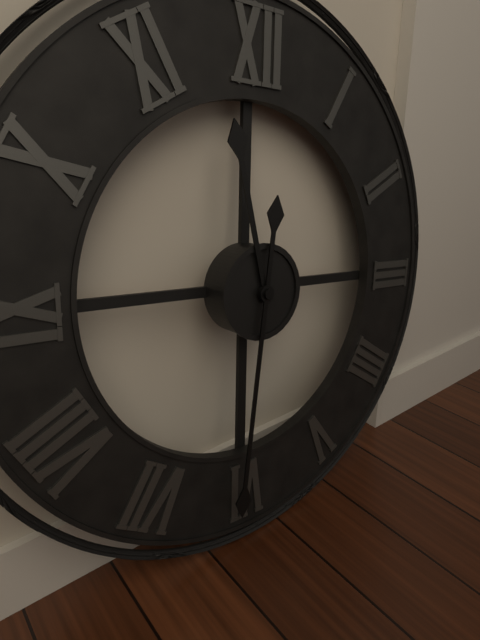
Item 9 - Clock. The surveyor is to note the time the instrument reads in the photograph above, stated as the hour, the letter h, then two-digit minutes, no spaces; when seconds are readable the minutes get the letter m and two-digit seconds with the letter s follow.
11h31
